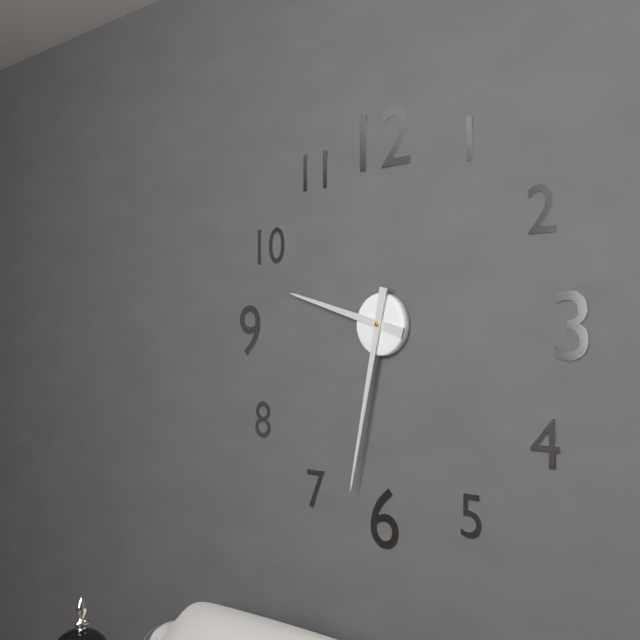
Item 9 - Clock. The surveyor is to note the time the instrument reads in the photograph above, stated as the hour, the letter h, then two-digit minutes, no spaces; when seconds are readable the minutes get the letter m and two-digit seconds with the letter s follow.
9h32
